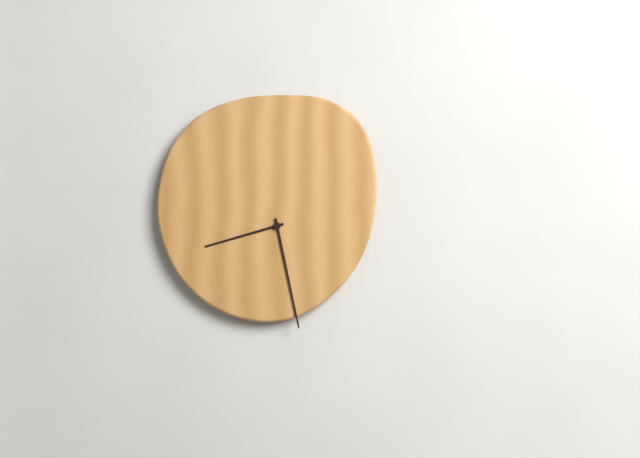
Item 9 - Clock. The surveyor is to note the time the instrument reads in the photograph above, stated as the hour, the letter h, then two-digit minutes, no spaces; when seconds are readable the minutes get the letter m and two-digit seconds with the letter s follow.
8h28
